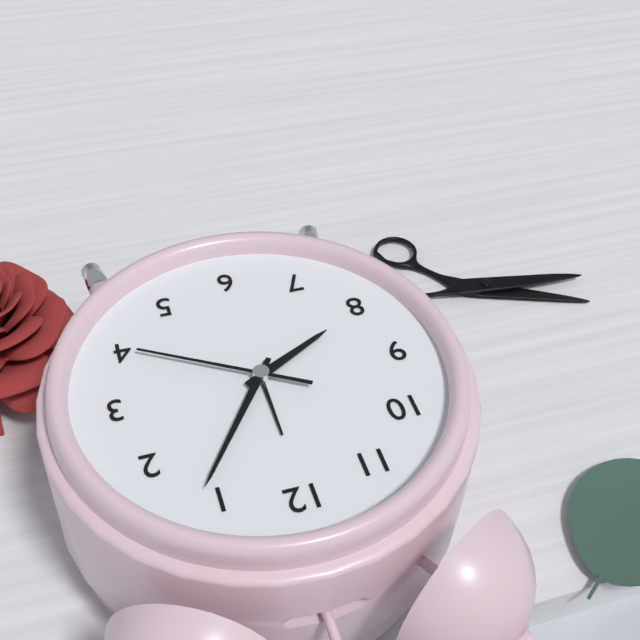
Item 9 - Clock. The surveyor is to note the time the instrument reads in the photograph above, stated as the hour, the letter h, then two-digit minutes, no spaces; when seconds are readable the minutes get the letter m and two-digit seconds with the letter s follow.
8h06m20s
